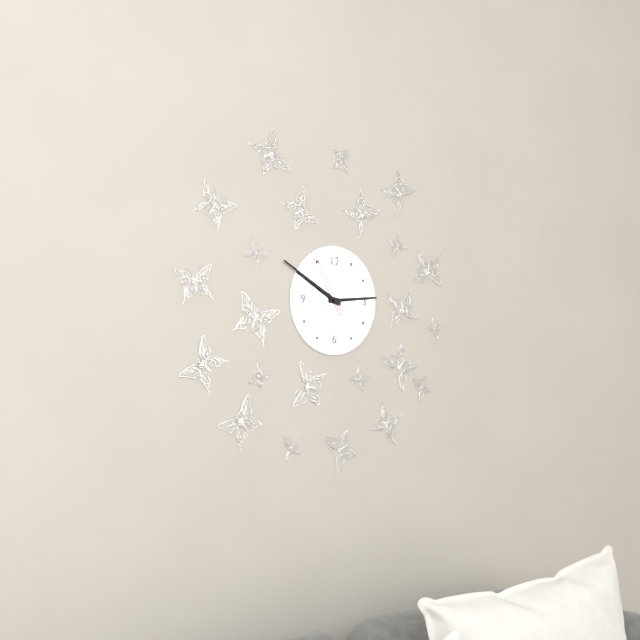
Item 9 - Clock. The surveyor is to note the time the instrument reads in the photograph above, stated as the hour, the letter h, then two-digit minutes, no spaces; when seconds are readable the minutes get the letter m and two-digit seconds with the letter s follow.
2h50m55s
